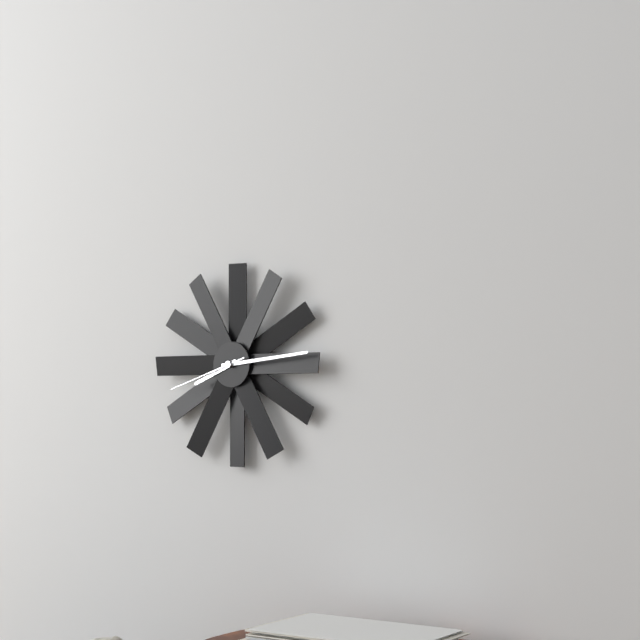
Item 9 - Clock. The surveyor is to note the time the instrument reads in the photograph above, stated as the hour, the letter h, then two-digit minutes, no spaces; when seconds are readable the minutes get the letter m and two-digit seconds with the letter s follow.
8h14m42s
